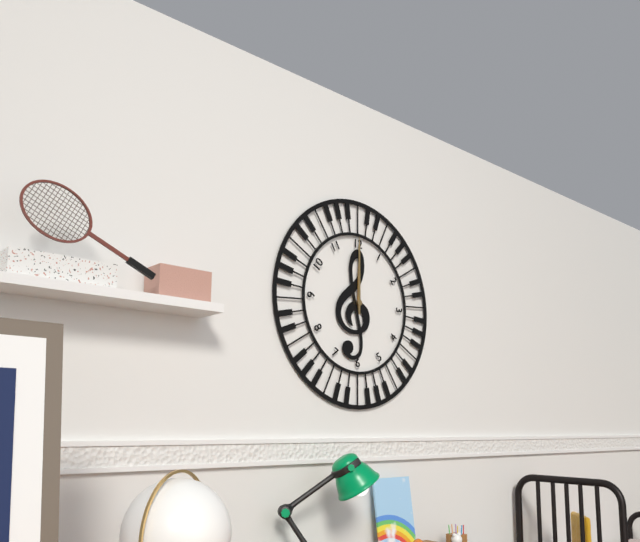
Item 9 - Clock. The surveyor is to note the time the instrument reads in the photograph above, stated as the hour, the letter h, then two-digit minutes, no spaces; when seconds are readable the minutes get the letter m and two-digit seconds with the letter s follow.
12h00
